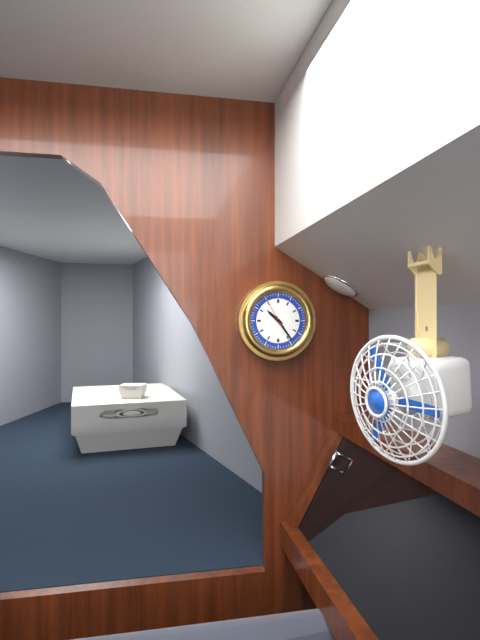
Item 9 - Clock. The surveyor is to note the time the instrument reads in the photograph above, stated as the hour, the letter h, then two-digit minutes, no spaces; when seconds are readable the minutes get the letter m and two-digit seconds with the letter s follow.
10h24
